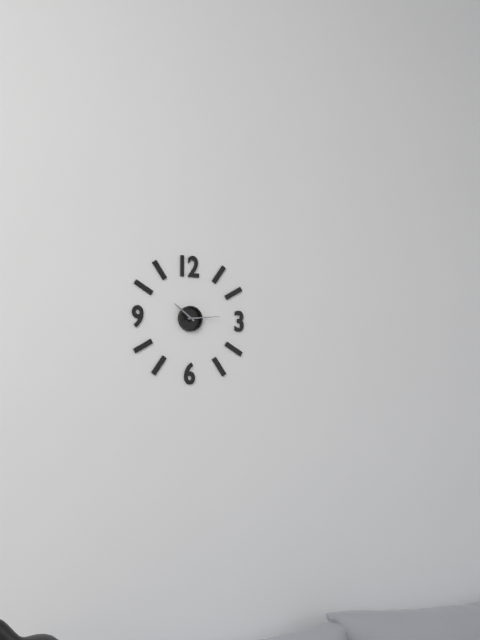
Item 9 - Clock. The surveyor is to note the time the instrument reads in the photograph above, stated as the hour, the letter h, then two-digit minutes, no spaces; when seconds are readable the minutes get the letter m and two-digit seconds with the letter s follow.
10h14
